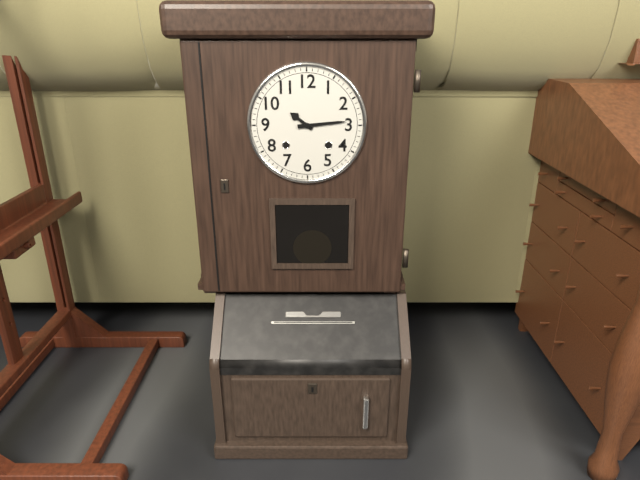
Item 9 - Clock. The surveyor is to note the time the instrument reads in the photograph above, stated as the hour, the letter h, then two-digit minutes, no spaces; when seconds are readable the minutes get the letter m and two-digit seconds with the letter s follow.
10h14
